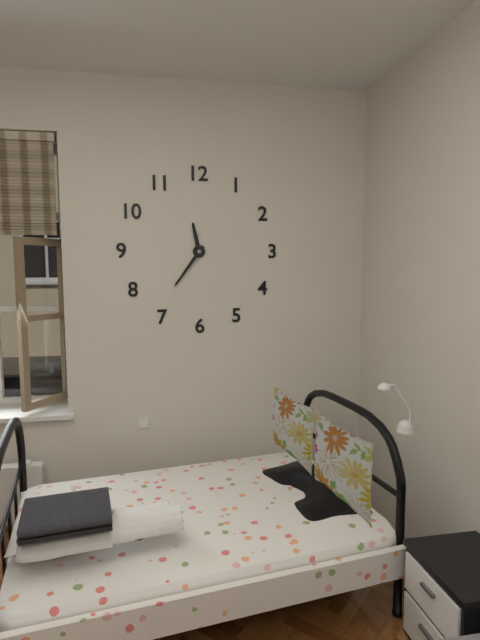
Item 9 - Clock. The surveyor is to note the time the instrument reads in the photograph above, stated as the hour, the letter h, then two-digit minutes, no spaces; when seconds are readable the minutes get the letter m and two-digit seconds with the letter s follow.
11h36
